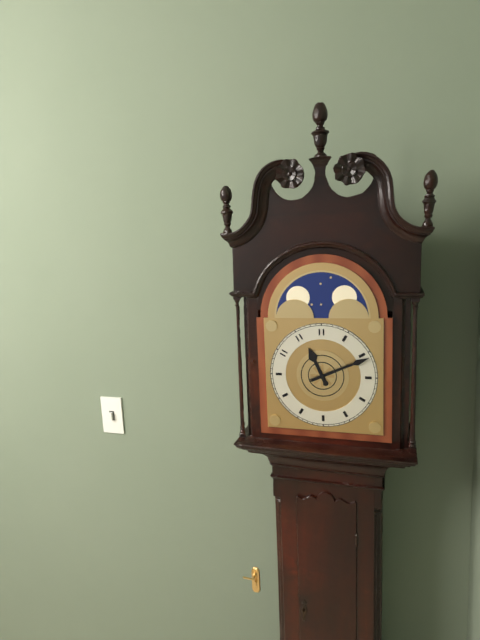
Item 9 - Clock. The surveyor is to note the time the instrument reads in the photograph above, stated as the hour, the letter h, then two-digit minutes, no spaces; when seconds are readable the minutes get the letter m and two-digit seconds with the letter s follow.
11h11
